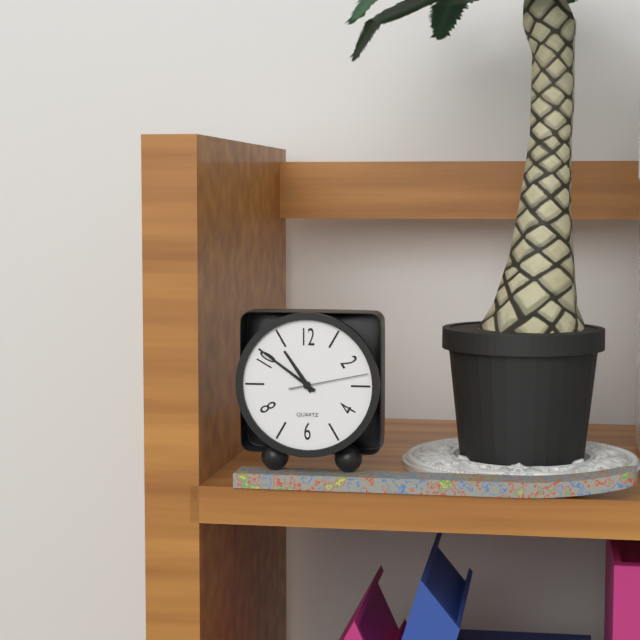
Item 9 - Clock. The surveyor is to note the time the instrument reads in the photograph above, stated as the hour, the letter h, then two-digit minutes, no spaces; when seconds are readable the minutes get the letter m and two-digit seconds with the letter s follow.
10h51m13s
